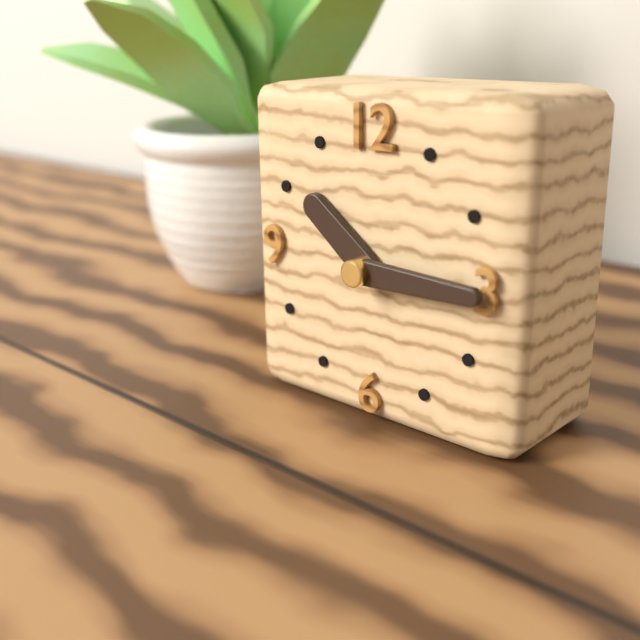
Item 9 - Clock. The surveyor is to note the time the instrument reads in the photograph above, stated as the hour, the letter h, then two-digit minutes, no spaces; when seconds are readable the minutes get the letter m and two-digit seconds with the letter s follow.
10h15
